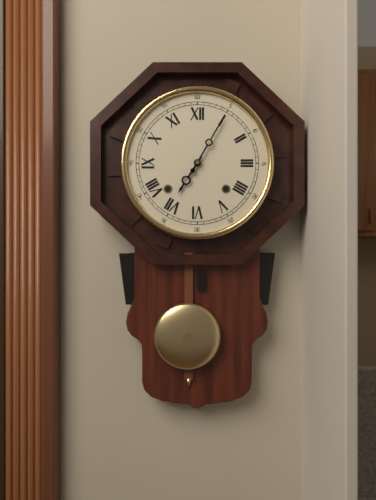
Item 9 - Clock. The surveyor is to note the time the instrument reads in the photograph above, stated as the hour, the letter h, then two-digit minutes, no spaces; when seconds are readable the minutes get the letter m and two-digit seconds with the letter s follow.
7h05
